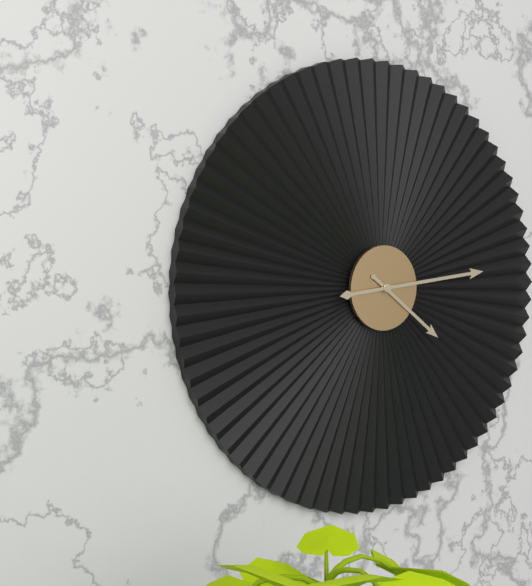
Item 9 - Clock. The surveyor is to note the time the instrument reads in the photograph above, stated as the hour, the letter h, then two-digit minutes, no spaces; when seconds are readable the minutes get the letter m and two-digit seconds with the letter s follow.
4h14
